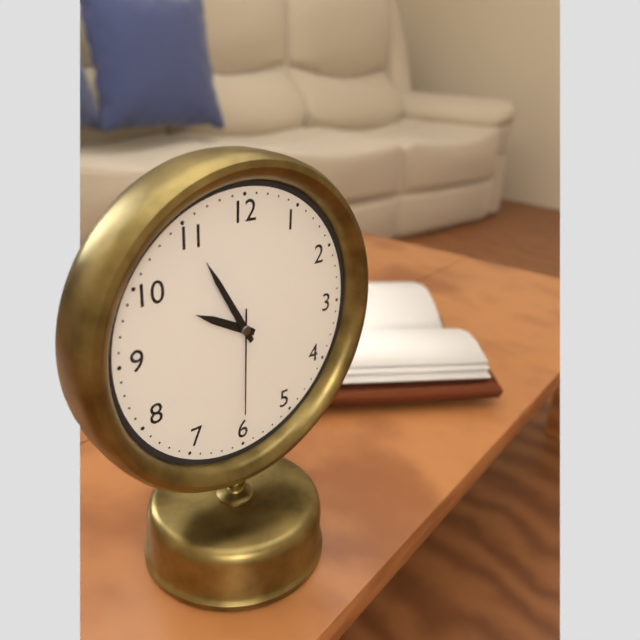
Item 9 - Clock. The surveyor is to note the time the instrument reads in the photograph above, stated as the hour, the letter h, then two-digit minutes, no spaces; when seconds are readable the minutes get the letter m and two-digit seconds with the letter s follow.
9h55m30s
